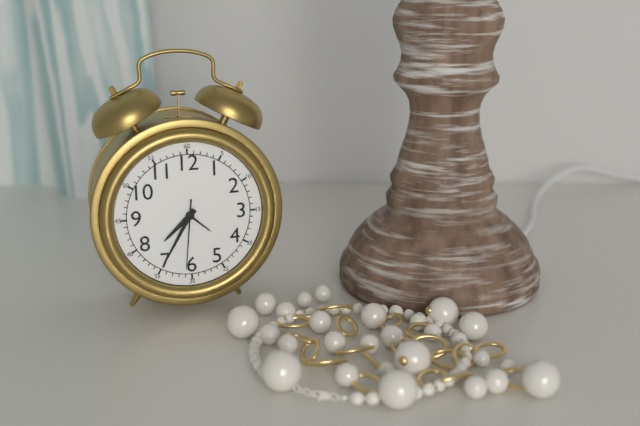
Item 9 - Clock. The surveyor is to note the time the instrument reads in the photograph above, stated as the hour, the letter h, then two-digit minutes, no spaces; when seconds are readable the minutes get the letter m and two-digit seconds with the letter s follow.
7h35m31s
